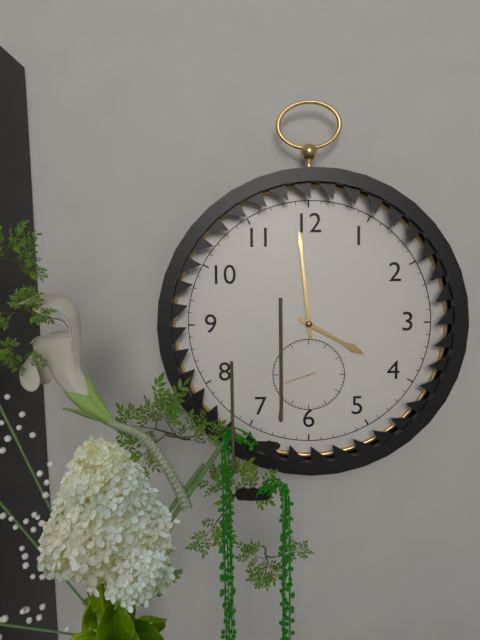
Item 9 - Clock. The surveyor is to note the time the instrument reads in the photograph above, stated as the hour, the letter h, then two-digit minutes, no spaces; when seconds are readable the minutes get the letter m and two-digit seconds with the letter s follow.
3h59
